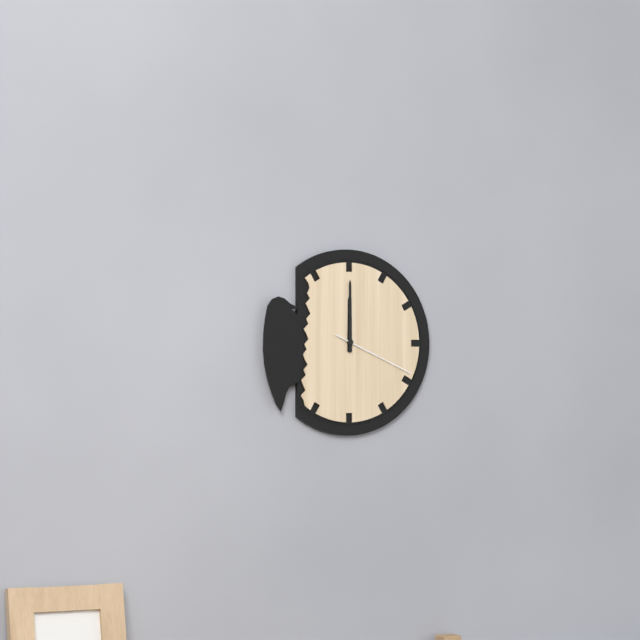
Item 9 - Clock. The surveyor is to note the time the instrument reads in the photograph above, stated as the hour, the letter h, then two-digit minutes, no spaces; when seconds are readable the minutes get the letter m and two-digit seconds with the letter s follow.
12h00m19s
